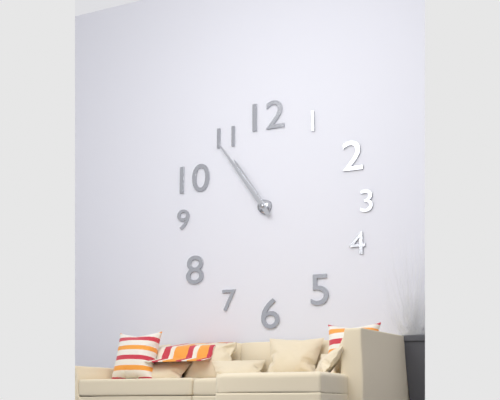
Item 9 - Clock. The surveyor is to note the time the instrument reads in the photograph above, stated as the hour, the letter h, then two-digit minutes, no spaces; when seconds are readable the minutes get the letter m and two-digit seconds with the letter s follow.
10h54
